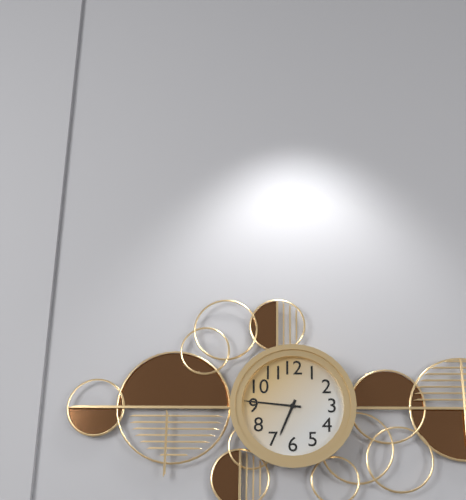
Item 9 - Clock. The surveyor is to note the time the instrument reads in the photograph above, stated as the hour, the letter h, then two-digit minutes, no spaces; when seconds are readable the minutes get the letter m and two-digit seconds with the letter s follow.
6h46
